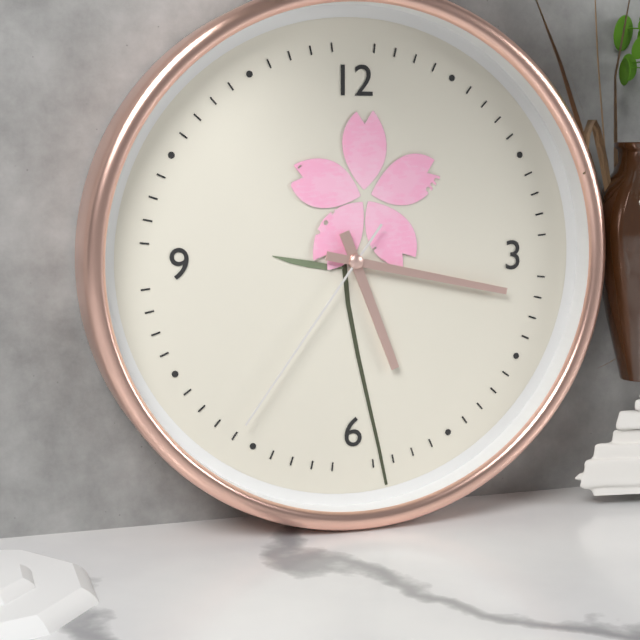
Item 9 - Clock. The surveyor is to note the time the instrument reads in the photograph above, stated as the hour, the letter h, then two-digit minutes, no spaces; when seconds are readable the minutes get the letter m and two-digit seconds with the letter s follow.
5h17m36s
